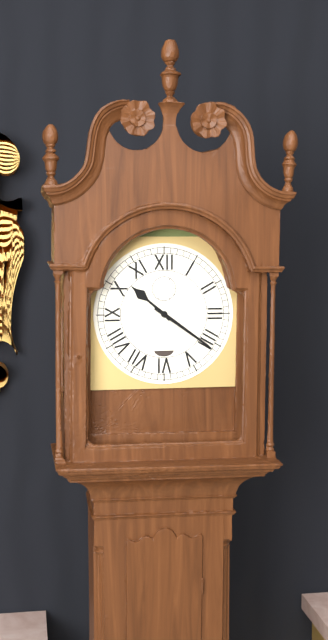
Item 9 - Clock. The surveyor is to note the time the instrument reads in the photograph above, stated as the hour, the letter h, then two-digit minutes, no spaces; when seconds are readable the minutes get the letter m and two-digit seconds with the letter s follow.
10h21
